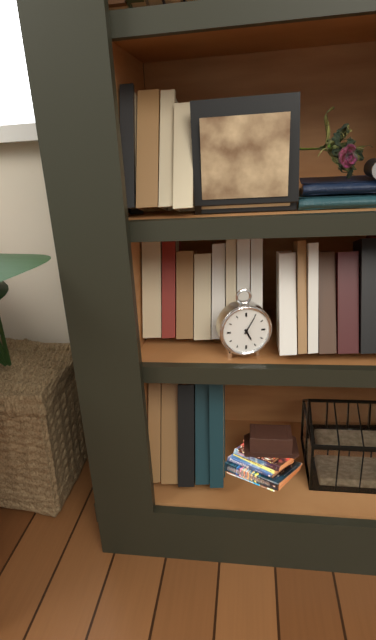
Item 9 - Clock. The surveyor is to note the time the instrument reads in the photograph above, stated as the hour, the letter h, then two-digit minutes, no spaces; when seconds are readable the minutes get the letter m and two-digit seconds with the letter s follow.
5h05
